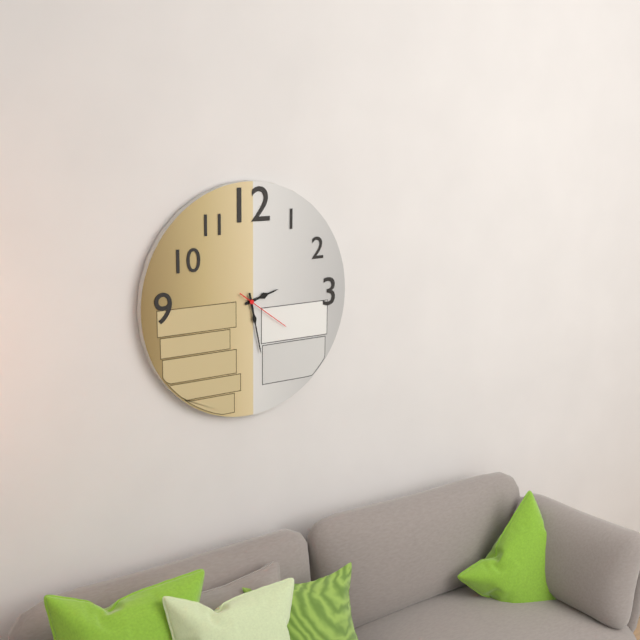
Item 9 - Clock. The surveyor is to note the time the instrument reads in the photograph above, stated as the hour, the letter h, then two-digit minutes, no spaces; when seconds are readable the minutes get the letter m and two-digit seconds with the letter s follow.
2h28m21s
